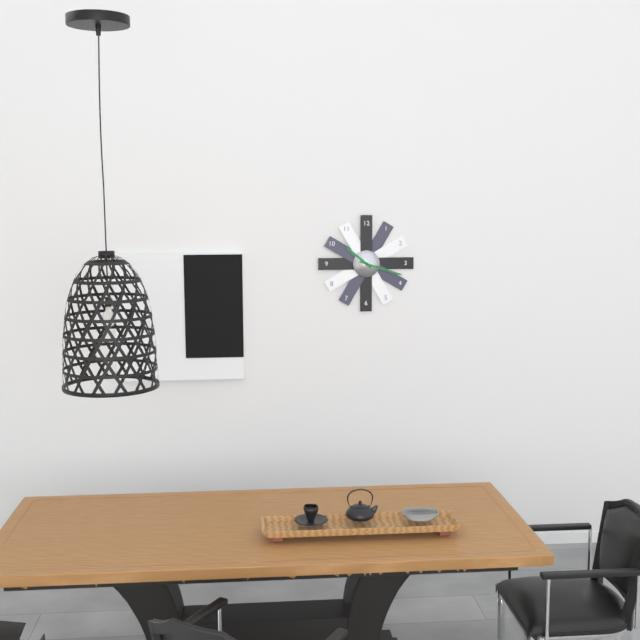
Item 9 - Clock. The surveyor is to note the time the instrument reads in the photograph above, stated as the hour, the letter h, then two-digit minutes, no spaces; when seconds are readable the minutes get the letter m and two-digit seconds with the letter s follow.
10h18
